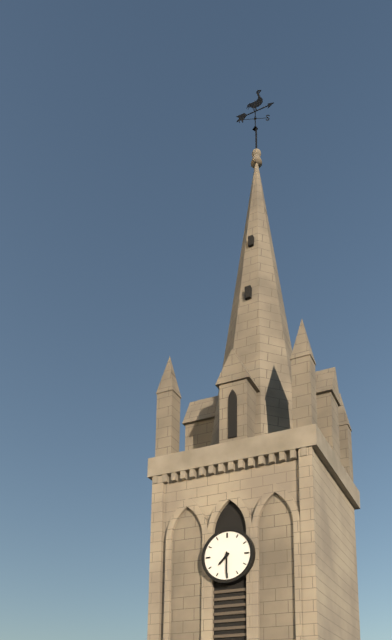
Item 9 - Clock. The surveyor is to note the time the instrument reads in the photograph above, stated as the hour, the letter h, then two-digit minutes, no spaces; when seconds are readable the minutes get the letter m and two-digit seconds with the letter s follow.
7h30
